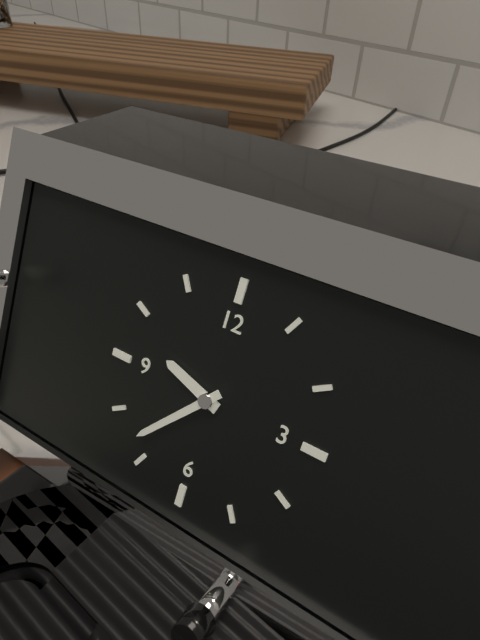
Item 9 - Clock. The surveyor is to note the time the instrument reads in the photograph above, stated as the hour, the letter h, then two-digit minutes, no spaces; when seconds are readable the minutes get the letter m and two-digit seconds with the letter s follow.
9h37
